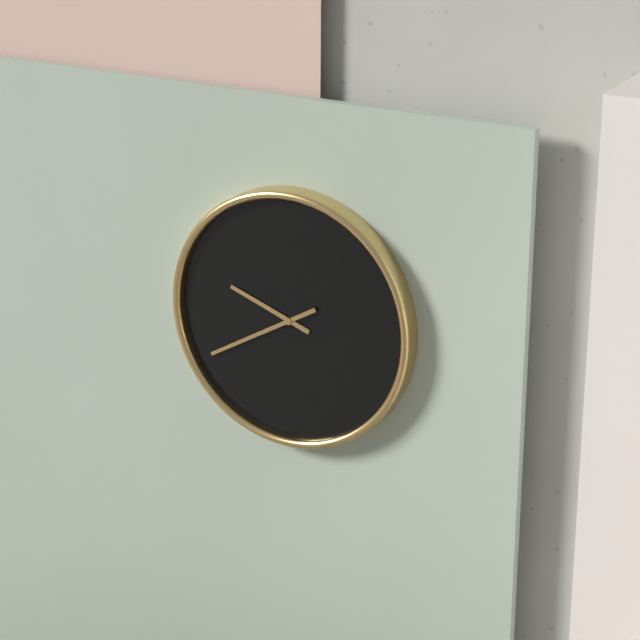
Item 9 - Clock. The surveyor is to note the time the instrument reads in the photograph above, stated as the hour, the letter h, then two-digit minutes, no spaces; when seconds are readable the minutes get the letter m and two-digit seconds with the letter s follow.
9h40
